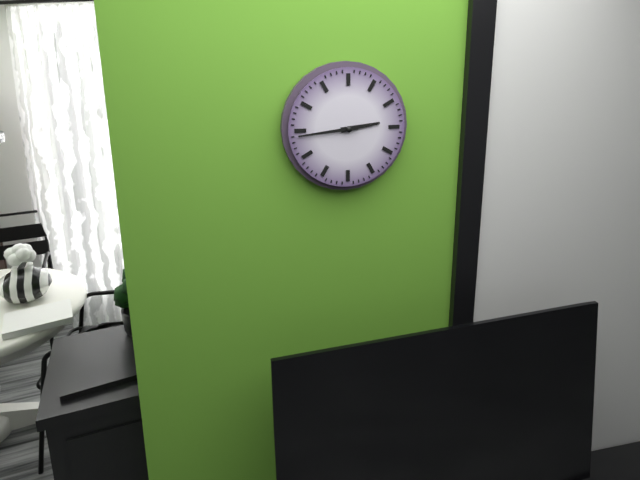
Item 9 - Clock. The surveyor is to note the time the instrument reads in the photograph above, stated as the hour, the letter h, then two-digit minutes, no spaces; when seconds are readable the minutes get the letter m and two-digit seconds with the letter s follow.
2h44
